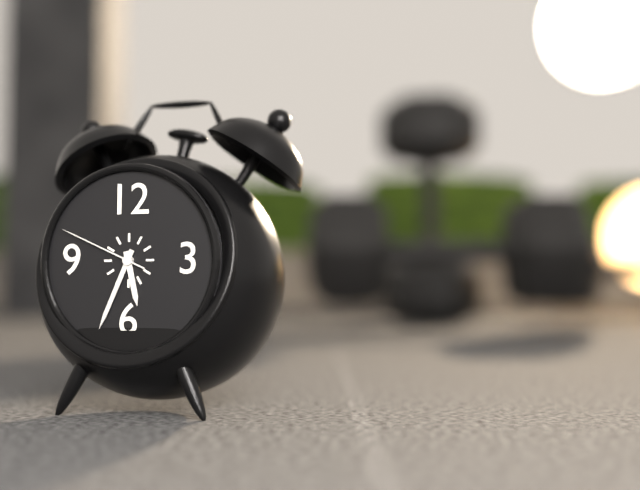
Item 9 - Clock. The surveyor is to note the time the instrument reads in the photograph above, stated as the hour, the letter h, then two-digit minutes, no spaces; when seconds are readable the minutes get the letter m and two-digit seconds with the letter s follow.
5h34m49s
